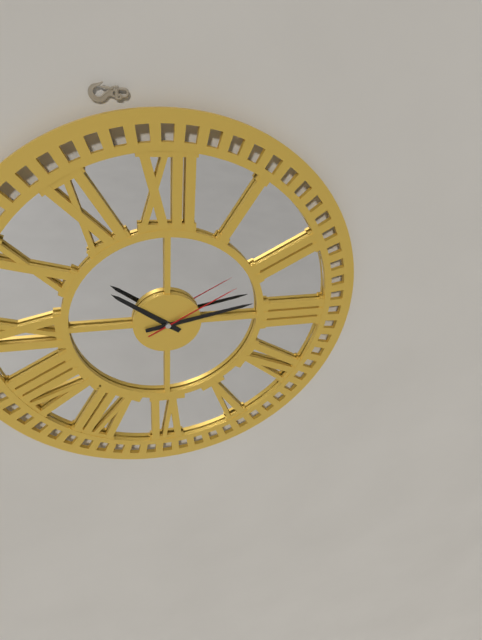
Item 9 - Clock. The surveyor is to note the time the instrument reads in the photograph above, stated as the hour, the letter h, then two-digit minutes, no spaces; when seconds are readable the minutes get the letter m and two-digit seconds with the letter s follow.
10h13m10s
